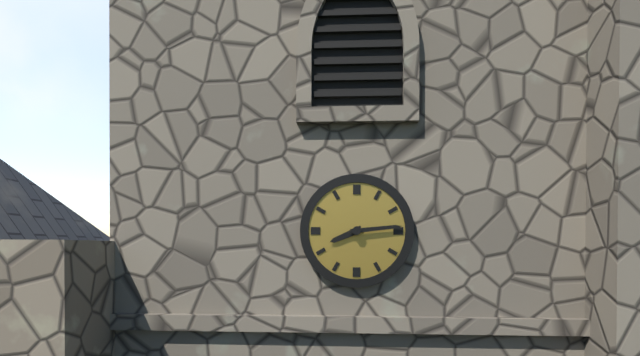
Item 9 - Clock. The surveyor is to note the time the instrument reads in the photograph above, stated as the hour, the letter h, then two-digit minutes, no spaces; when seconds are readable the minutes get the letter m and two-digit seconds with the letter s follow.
8h14
